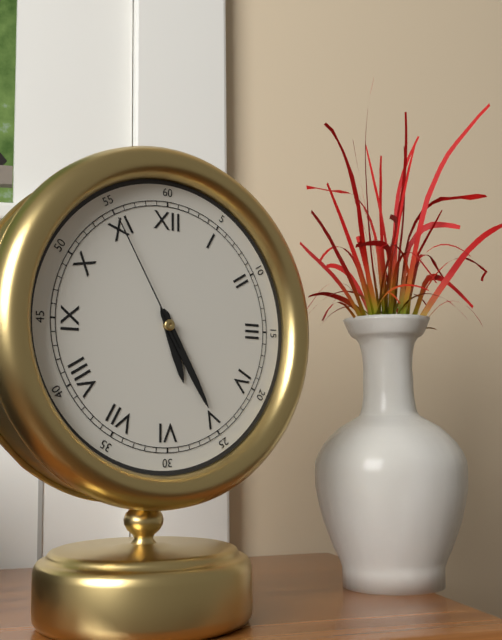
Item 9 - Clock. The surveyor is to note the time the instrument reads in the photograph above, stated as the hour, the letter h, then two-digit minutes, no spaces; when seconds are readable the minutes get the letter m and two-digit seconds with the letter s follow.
5h25m55s
